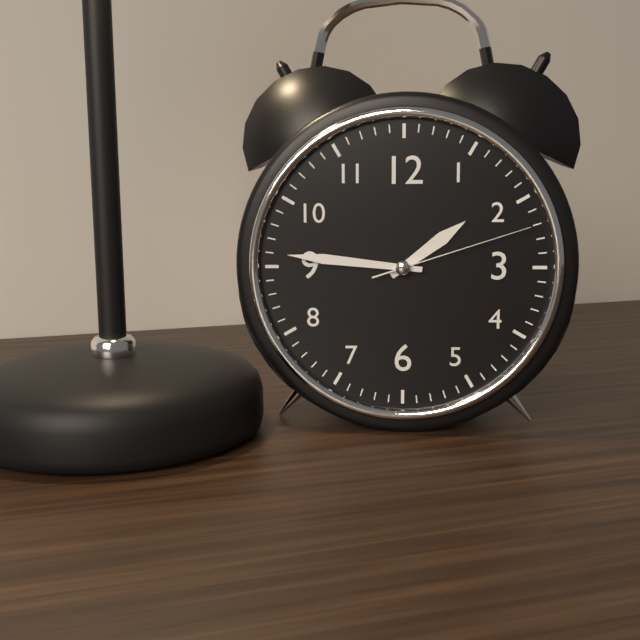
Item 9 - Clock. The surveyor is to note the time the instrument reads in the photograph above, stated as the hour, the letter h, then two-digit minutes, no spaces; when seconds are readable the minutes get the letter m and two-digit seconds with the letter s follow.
1h46m12s
